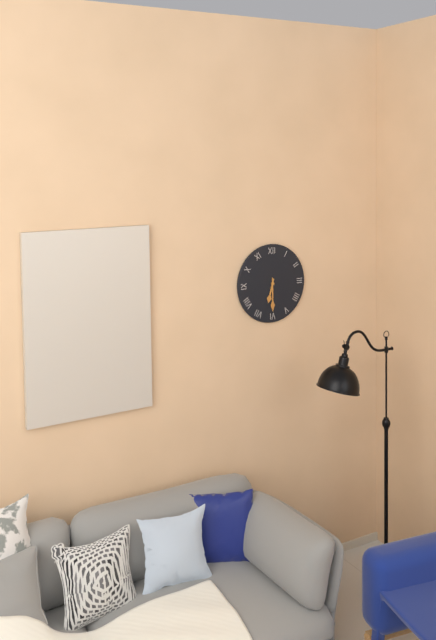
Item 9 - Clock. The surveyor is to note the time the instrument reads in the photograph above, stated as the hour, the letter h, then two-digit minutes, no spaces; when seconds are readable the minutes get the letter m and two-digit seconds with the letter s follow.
6h30
